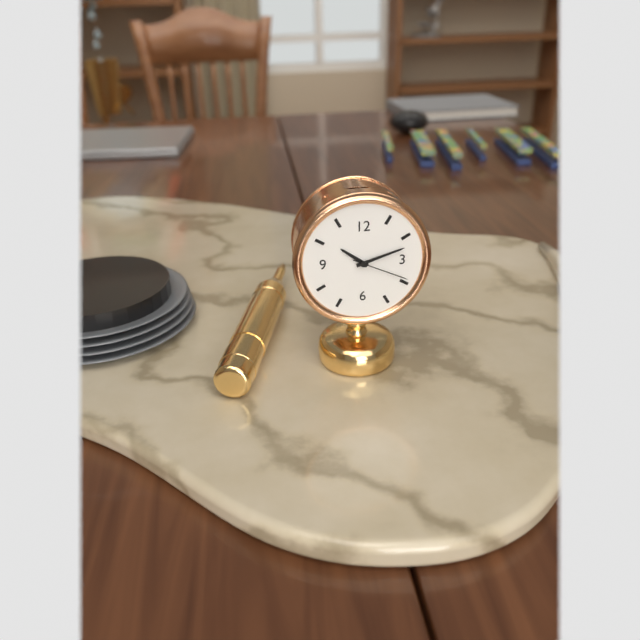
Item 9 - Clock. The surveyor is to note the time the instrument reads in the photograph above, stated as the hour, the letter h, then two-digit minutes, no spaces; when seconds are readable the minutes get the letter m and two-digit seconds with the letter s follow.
10h12m19s
